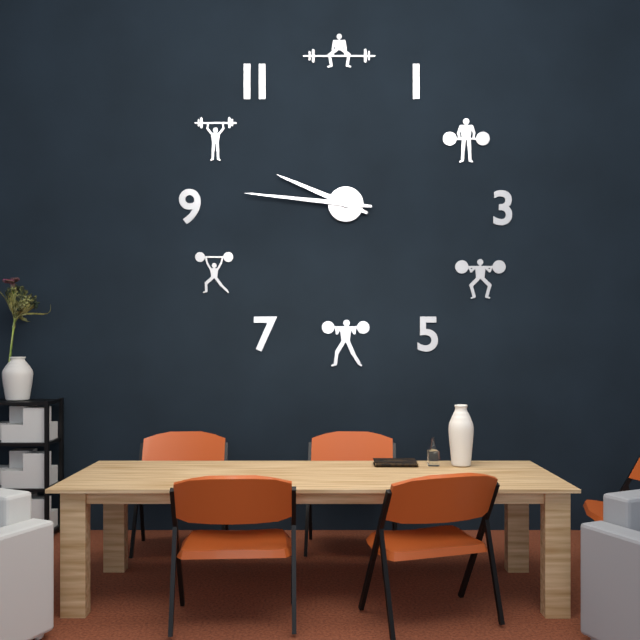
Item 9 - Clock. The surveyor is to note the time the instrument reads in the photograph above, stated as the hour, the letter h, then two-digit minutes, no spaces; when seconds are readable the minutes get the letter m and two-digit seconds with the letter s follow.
9h46
